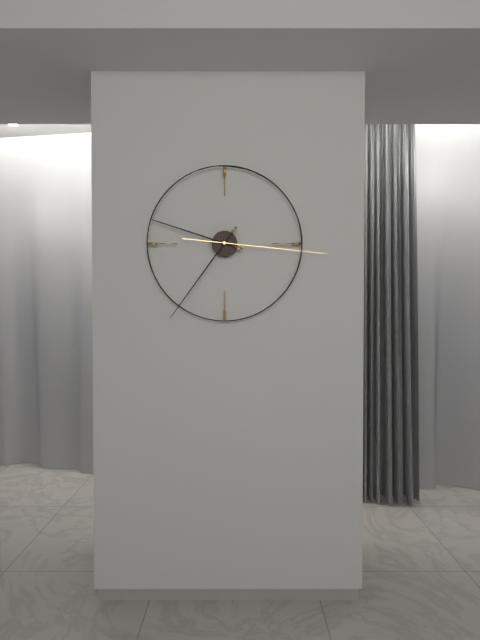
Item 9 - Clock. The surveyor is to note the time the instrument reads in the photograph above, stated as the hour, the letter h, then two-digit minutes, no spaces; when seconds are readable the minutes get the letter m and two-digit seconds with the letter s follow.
9h36m16s
